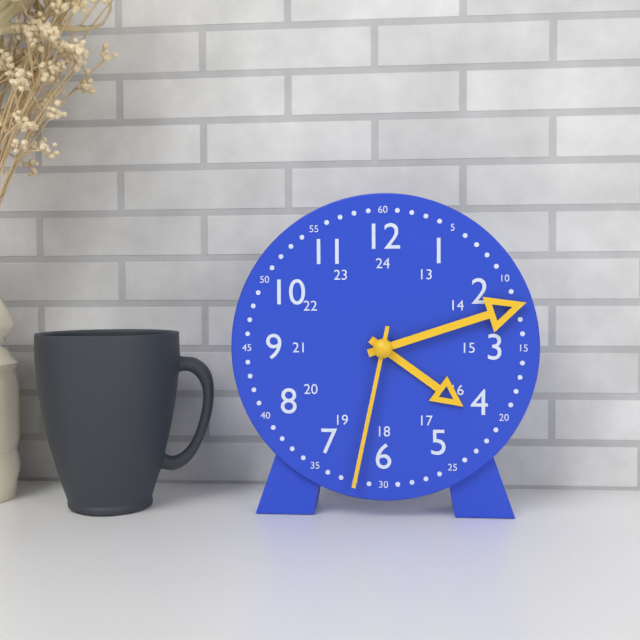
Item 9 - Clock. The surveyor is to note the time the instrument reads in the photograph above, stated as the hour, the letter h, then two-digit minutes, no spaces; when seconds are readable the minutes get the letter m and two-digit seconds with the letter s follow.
4h12m32s
